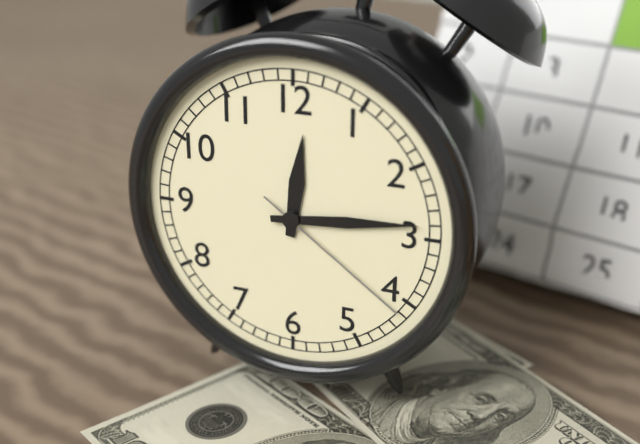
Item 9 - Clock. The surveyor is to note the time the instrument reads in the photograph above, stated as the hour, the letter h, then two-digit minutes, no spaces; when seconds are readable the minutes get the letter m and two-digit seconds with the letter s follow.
12h14m21s
